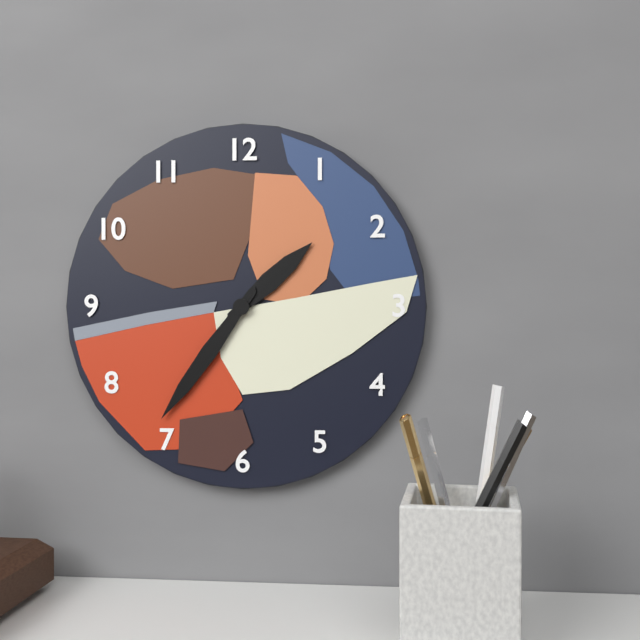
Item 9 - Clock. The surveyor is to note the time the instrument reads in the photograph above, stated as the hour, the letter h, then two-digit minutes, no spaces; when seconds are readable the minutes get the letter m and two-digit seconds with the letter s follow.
1h36
